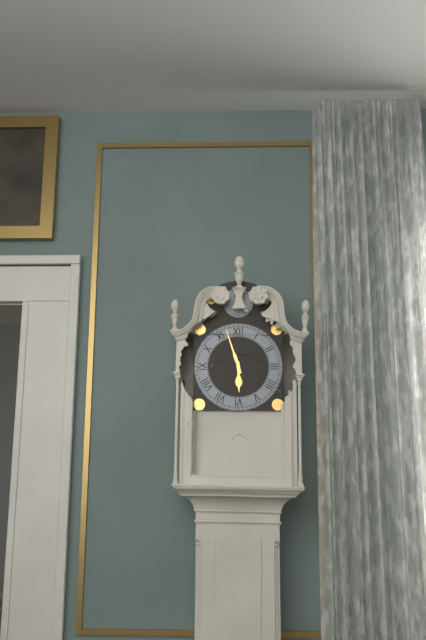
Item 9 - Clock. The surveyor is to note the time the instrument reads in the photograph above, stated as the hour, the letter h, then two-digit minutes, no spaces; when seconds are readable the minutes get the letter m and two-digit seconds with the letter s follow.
5h57
